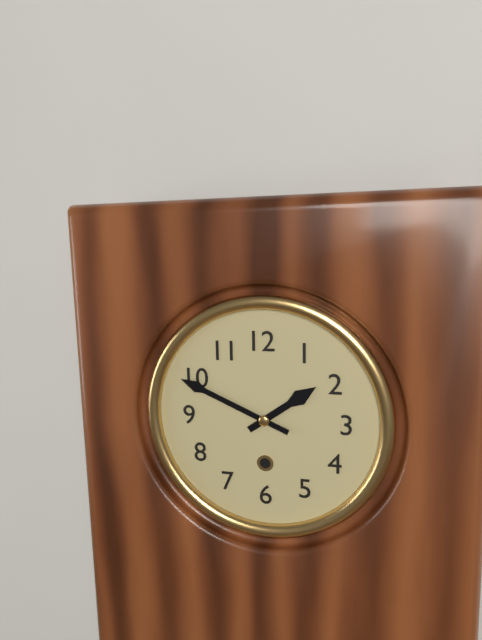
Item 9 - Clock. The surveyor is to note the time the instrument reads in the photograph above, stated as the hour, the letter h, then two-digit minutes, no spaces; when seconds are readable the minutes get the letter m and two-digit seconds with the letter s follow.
1h49
